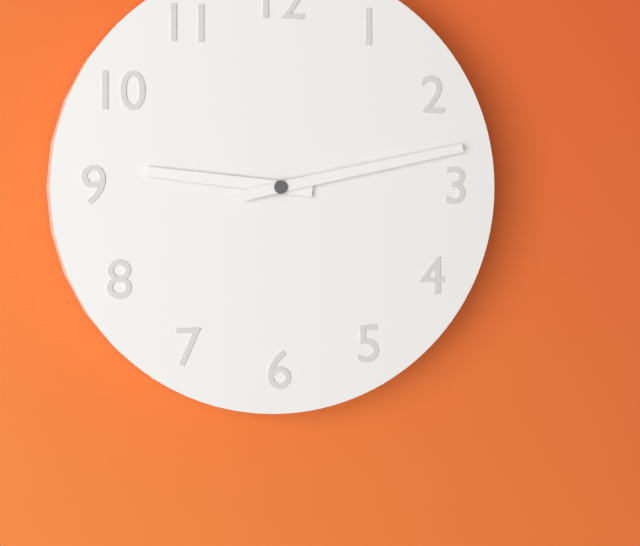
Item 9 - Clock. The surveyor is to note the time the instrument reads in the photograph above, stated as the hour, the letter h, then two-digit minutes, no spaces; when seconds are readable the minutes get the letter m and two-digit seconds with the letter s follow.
9h13
